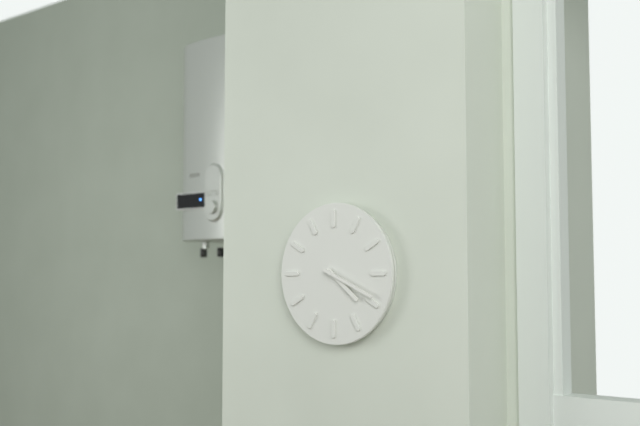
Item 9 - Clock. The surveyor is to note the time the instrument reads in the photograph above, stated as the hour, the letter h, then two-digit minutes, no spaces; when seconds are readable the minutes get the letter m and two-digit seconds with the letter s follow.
4h19
